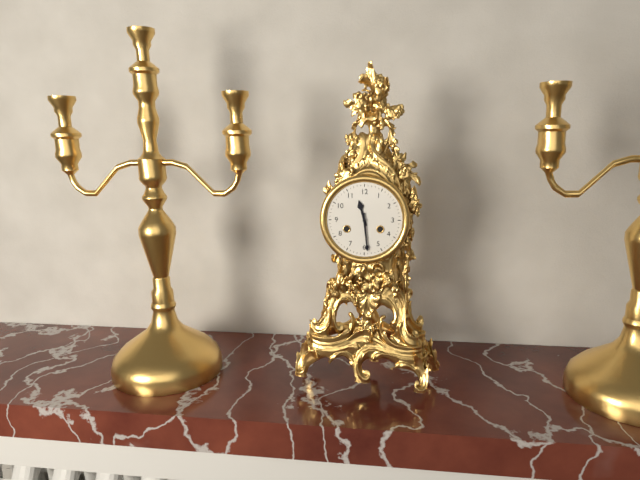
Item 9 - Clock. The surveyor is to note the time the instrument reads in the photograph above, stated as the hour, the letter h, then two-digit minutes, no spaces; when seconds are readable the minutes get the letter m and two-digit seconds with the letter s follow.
11h29
